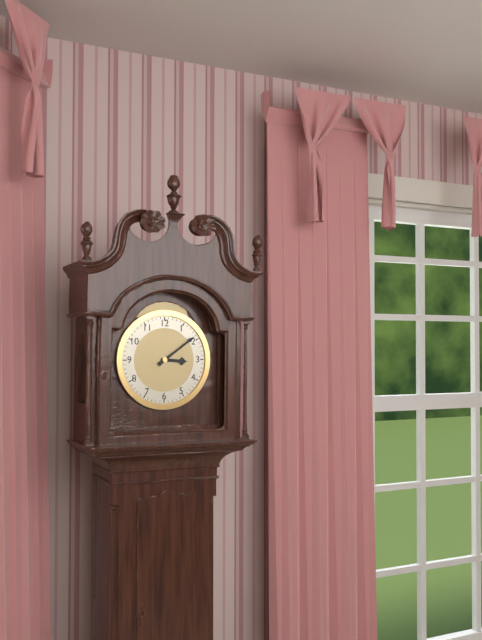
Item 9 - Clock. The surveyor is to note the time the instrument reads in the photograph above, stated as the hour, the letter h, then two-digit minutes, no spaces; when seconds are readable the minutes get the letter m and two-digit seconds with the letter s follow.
3h09
